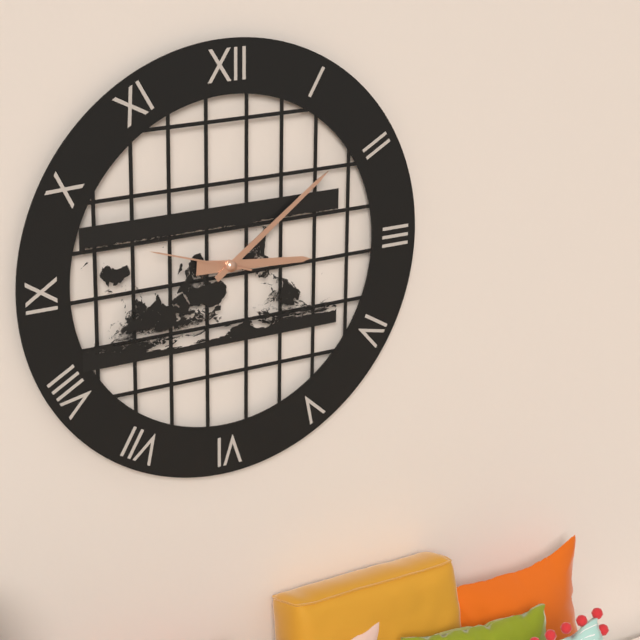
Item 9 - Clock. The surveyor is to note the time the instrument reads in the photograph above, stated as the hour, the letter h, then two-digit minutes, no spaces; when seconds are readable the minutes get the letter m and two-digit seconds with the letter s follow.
3h09m48s
